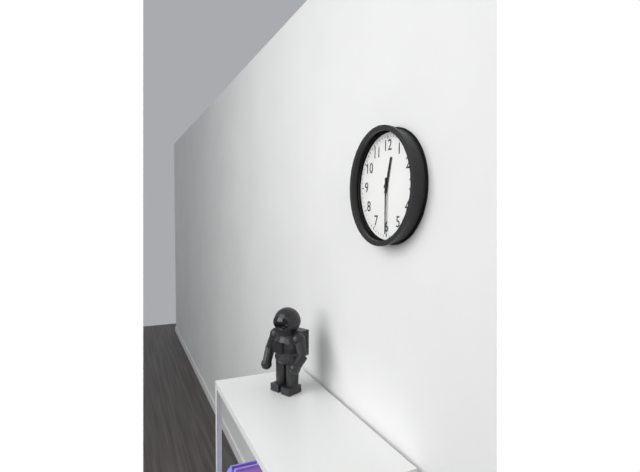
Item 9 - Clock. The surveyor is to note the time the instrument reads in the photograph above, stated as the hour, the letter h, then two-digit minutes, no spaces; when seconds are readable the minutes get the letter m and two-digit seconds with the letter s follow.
12h30
